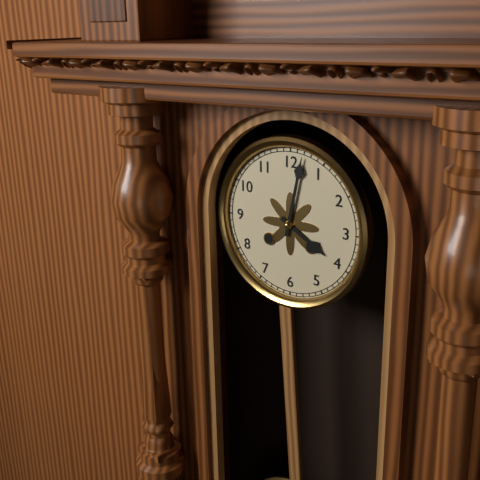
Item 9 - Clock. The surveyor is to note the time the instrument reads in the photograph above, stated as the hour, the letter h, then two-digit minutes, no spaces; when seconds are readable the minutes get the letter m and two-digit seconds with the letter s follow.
4h02
